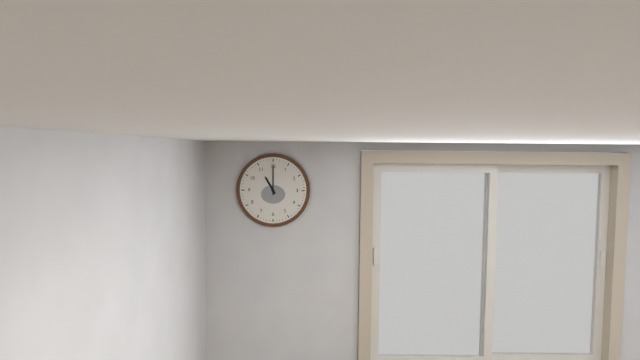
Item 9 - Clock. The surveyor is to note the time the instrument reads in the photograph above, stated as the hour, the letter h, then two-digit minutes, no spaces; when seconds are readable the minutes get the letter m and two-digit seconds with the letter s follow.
11h00
